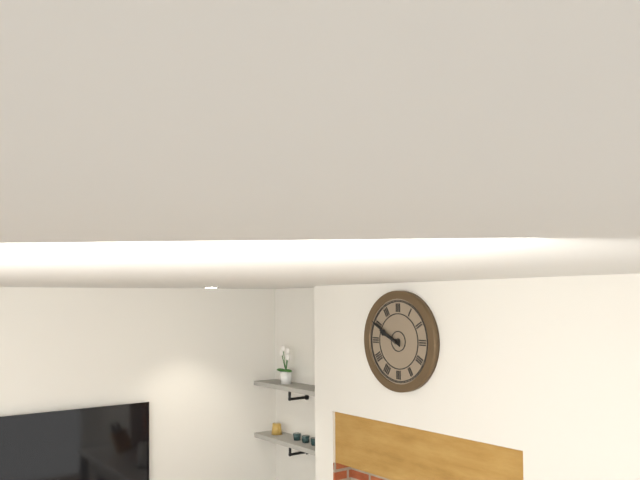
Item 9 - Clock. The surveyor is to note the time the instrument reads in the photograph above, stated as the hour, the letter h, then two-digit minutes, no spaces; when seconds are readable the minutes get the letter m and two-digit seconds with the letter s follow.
9h50
